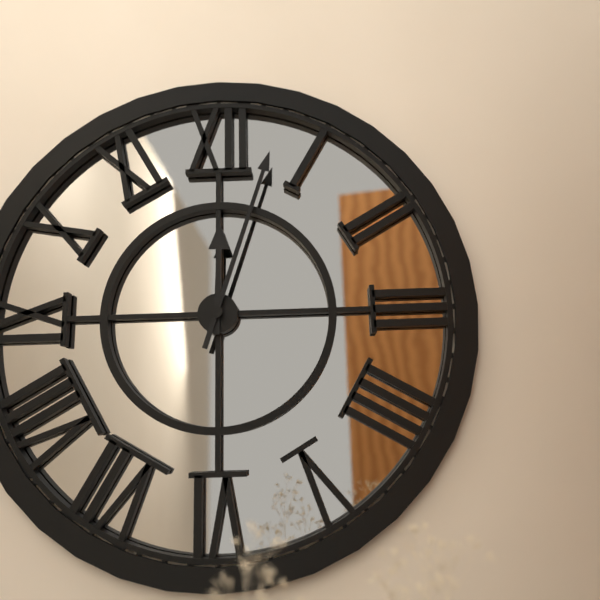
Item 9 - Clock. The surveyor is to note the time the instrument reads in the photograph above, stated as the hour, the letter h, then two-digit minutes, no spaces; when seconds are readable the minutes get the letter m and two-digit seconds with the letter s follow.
12h03
